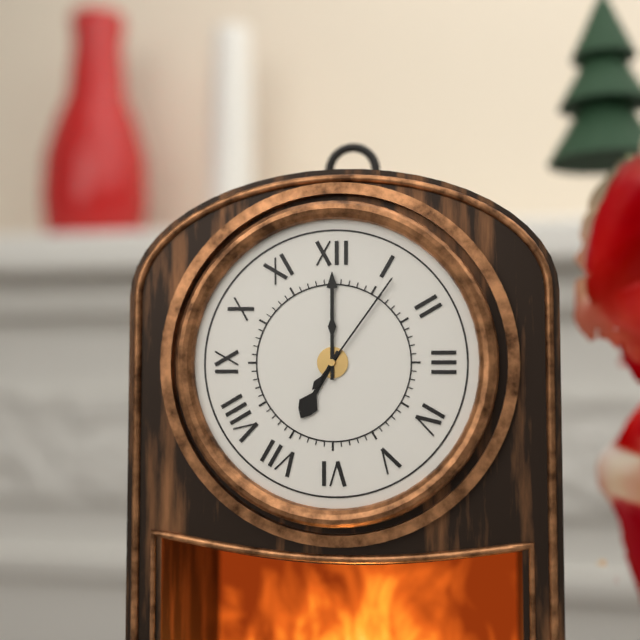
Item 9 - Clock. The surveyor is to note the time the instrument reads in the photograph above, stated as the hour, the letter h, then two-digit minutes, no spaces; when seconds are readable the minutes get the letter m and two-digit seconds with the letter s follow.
7h00m06s
